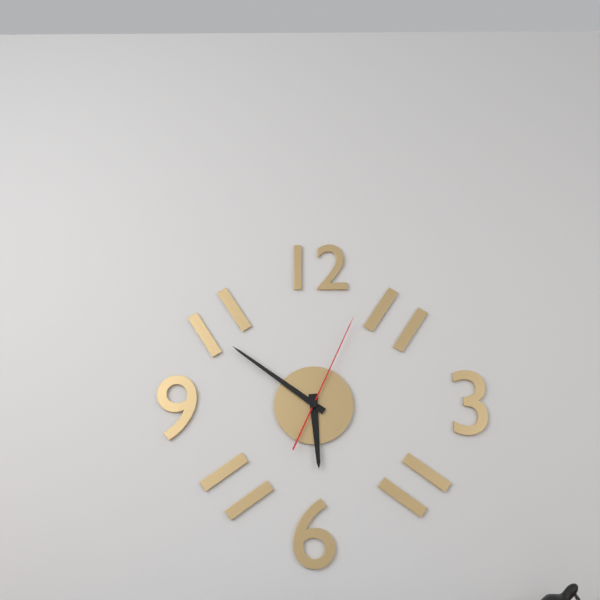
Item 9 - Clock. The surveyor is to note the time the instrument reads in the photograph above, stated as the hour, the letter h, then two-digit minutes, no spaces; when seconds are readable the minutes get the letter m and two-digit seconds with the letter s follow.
5h51m04s
